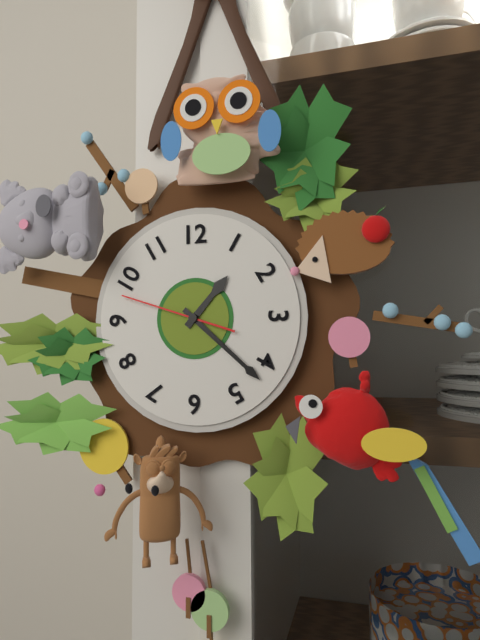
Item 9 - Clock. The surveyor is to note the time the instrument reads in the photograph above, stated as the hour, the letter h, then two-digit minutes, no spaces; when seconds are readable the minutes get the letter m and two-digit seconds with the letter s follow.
1h22m48s
